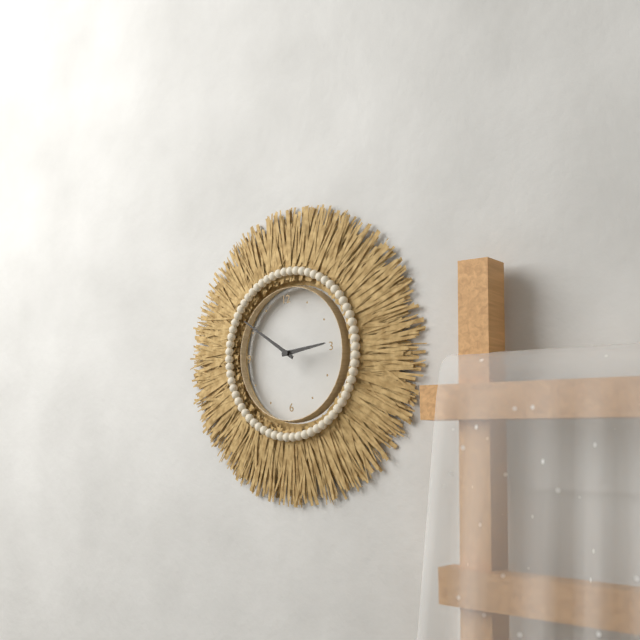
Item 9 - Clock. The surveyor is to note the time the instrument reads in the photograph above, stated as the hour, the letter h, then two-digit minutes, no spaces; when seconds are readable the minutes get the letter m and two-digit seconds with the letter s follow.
2h51
